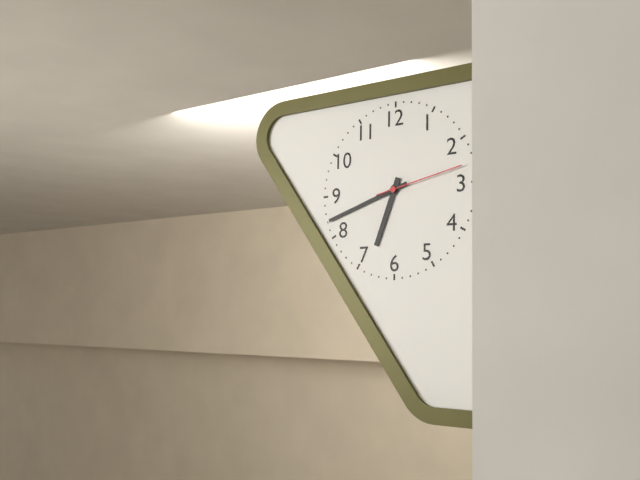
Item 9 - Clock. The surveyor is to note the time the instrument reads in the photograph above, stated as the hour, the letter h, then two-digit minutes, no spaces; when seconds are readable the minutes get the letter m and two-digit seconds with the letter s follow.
6h42m13s
